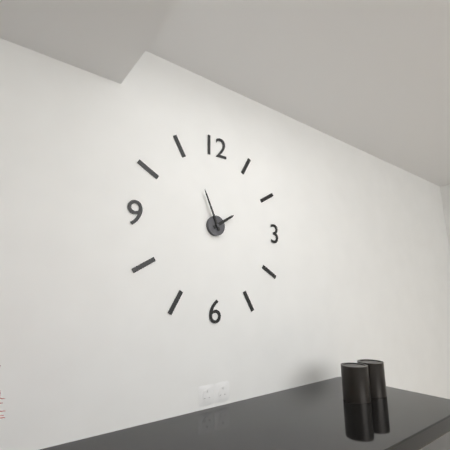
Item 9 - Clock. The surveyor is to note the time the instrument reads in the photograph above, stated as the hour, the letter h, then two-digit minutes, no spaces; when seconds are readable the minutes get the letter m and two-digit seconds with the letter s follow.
1h56
